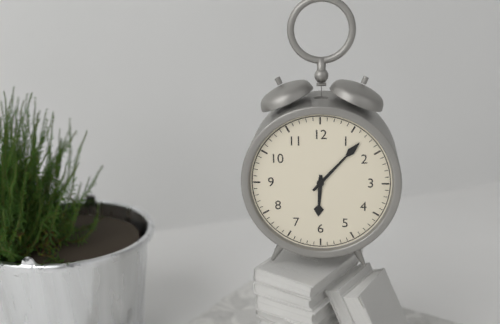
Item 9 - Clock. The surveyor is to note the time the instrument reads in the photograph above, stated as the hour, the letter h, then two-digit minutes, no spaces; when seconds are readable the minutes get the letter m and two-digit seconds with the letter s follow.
6h07
